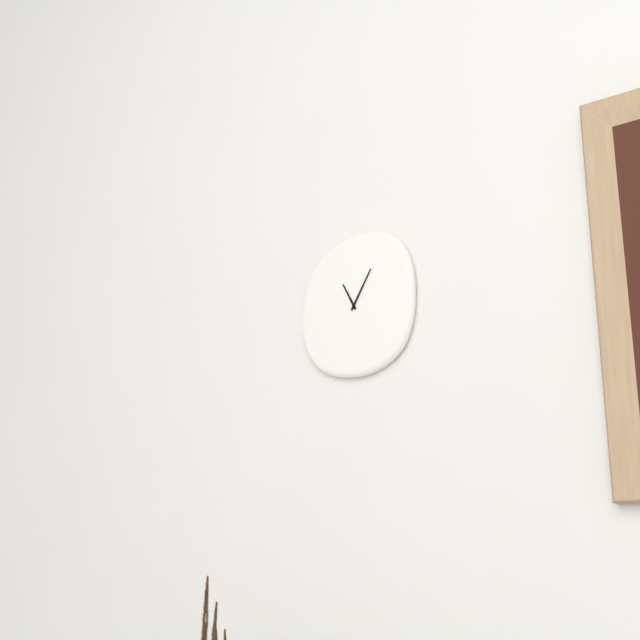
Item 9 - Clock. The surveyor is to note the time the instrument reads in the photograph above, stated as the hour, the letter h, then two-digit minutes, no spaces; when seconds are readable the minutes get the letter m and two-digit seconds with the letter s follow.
11h05
